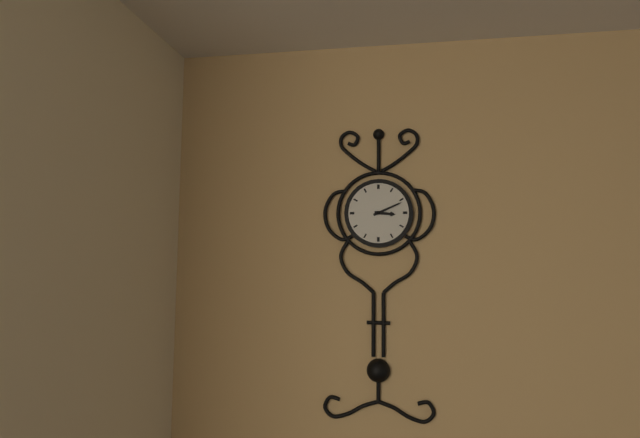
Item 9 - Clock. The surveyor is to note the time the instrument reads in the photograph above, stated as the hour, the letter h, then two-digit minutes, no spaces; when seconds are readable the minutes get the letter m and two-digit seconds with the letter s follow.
3h11
